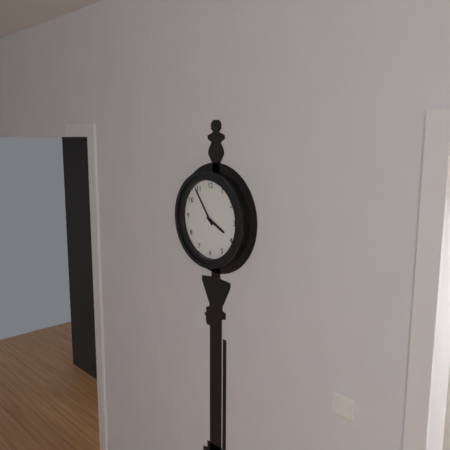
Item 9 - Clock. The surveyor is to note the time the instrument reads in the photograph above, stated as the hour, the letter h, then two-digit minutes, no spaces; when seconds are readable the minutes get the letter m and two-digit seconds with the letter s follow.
3h54
